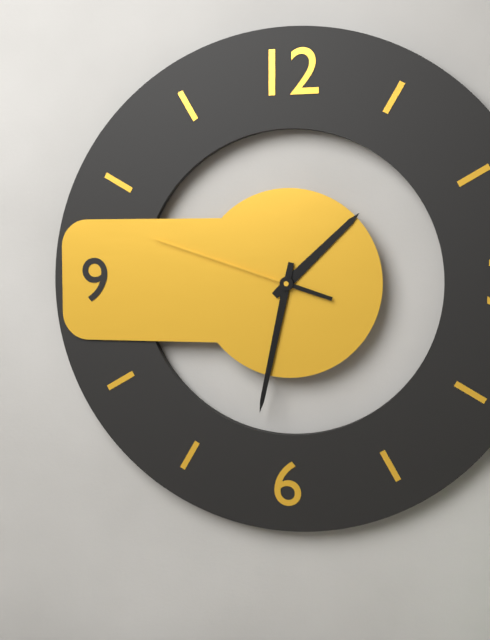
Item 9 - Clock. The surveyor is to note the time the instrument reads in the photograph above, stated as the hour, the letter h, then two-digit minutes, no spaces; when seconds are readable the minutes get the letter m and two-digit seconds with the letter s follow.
1h32m48s
